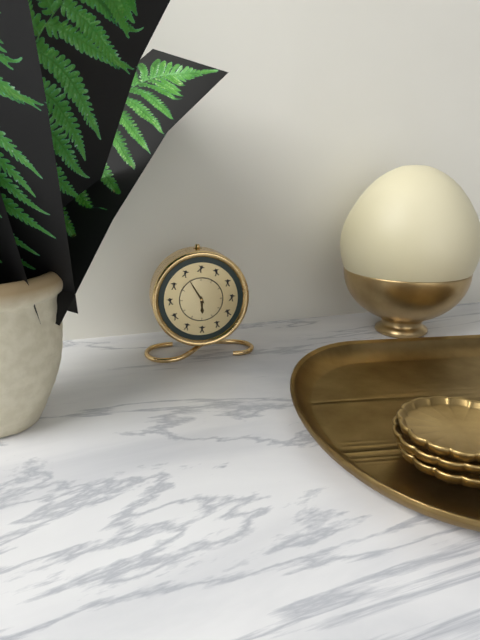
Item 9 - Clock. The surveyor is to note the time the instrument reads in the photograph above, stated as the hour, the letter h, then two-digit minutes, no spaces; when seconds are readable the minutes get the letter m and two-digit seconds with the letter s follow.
5h55
